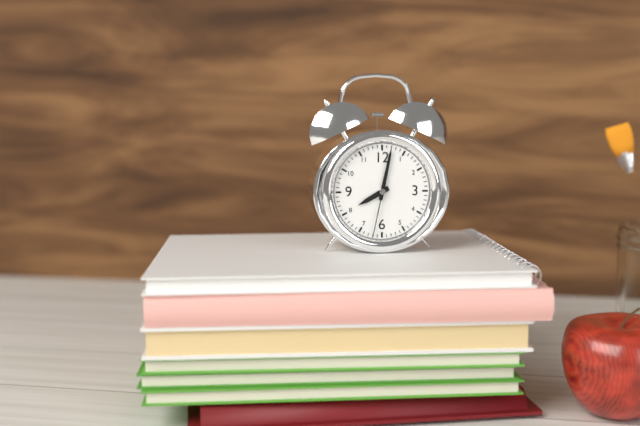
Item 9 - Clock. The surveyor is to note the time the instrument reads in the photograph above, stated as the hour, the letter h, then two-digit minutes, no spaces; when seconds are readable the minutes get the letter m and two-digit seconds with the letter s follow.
8h02m32s
